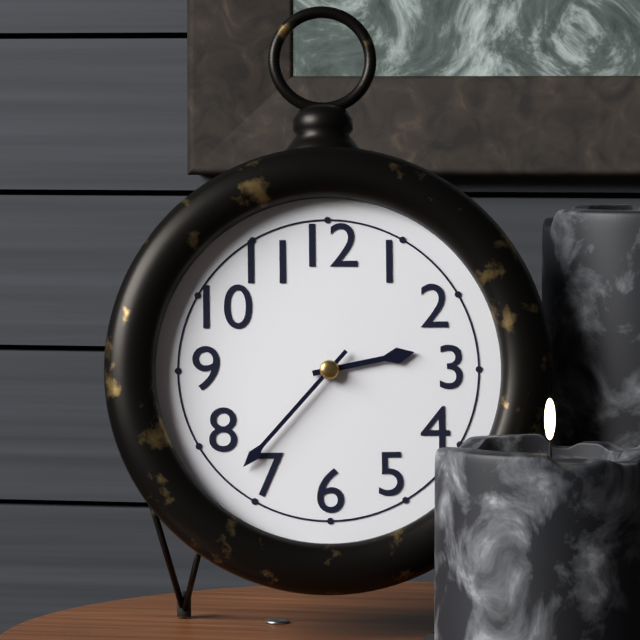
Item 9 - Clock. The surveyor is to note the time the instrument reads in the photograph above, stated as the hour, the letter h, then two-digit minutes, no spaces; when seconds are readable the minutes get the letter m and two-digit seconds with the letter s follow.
2h37
